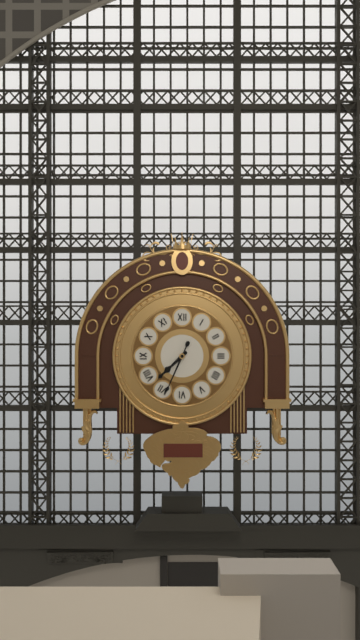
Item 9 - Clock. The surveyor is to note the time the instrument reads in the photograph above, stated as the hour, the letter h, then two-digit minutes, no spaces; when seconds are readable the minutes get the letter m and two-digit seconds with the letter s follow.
7h34
